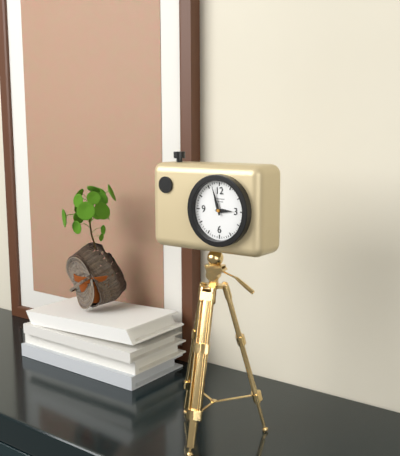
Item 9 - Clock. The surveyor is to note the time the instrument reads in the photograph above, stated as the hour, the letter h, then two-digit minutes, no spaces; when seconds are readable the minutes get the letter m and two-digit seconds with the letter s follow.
2h57
